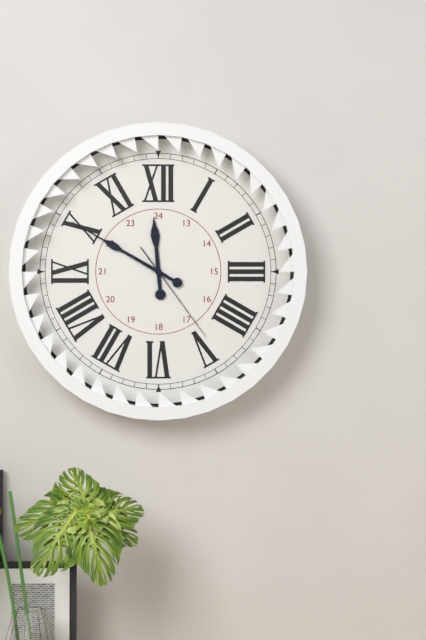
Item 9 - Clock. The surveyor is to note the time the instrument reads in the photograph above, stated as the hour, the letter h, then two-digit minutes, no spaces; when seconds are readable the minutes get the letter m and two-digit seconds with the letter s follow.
11h50m24s
